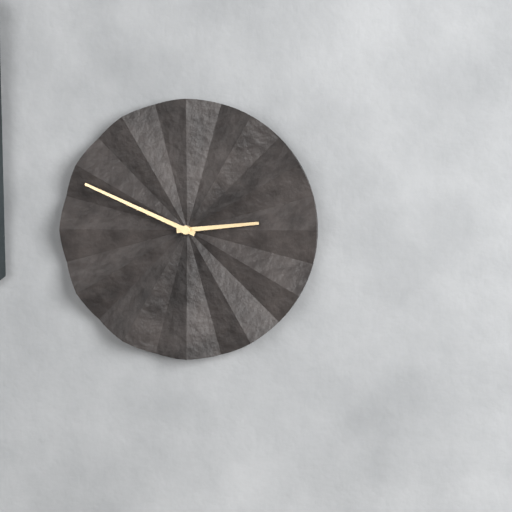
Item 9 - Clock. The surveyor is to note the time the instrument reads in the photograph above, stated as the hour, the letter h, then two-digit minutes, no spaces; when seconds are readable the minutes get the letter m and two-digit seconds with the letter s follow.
2h49
